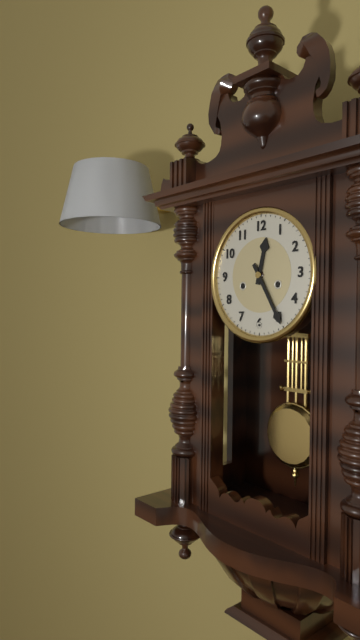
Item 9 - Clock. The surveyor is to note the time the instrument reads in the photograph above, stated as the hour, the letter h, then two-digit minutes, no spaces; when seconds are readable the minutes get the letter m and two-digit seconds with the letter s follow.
12h25
